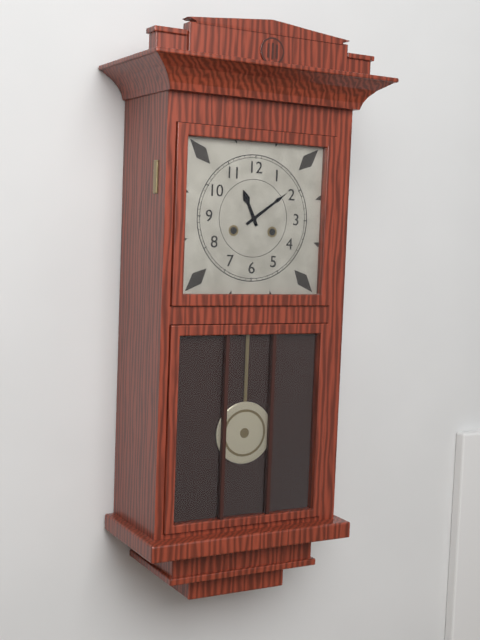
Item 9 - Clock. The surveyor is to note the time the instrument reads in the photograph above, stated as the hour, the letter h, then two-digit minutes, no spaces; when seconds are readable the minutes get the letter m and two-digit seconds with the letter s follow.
11h09
